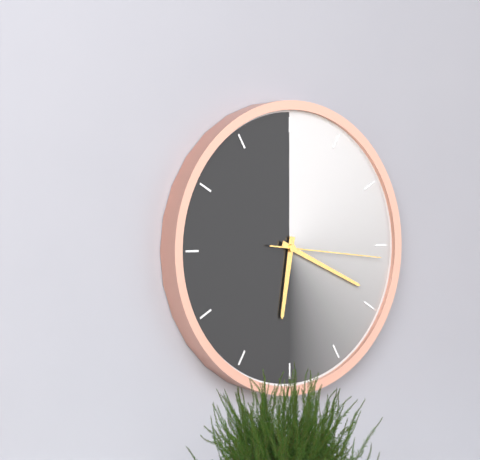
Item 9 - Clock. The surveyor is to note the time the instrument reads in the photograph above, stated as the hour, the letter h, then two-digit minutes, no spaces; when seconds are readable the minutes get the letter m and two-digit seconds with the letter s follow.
6h19m16s
